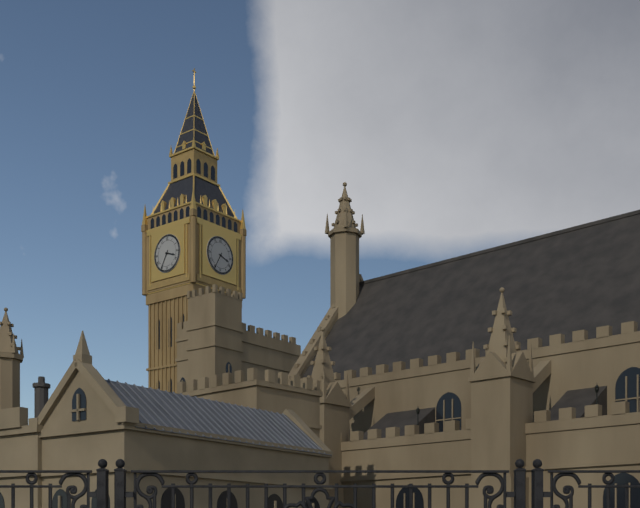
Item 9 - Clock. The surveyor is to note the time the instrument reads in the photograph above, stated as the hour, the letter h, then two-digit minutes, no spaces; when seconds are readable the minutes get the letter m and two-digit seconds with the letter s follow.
3h35
